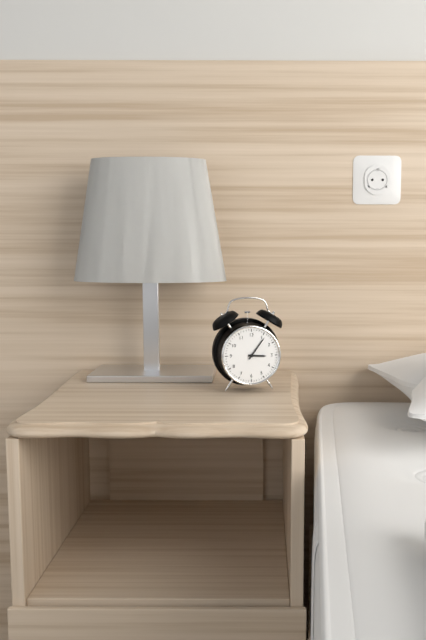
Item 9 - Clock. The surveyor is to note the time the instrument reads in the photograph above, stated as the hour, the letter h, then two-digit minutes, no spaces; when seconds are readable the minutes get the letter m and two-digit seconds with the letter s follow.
3h06
